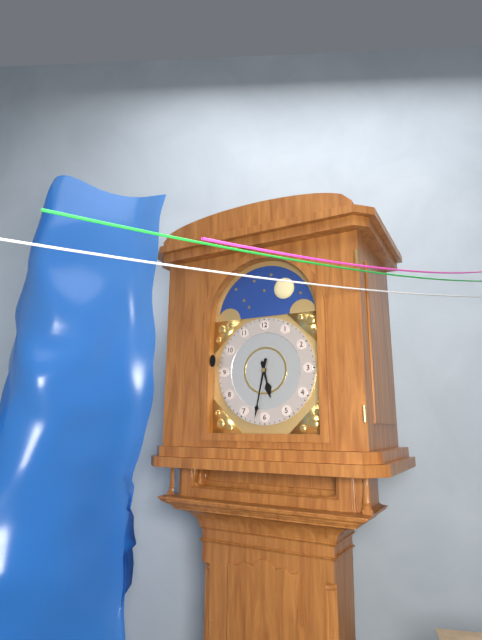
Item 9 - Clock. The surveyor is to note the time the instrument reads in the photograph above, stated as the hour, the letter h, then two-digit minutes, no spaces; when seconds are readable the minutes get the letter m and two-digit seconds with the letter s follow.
5h32
